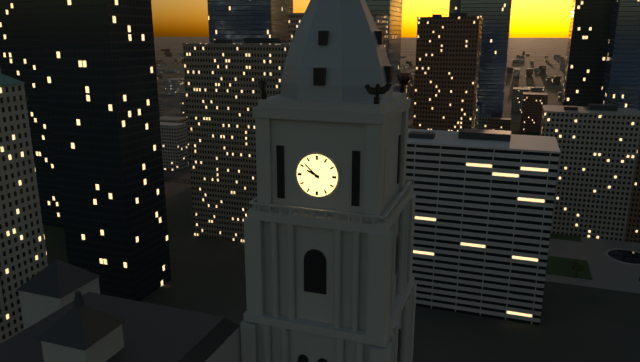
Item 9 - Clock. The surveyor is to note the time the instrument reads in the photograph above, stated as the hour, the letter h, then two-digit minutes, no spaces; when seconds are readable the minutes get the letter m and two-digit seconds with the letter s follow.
9h52
